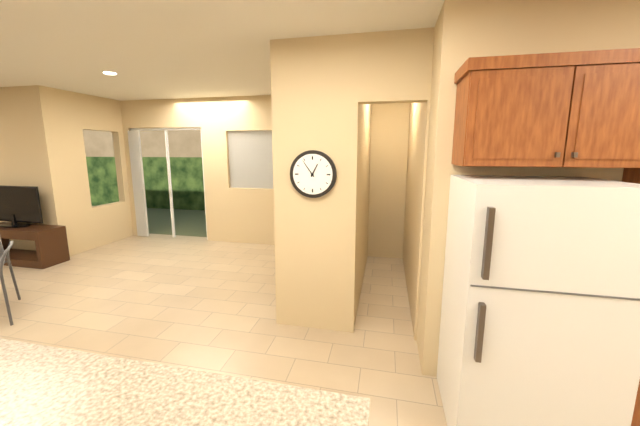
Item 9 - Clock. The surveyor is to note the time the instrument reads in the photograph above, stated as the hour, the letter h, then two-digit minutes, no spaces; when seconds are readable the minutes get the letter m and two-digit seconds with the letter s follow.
12h54
